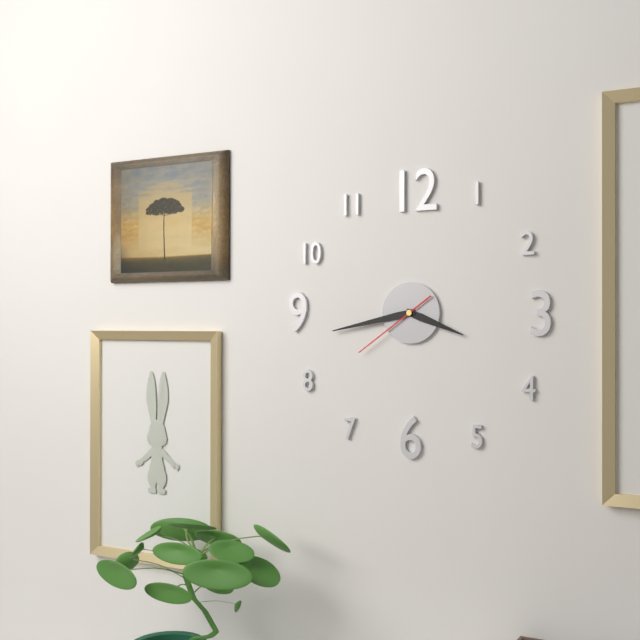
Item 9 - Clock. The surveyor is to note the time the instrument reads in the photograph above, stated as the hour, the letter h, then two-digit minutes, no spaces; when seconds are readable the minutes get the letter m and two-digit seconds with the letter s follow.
3h43m39s
